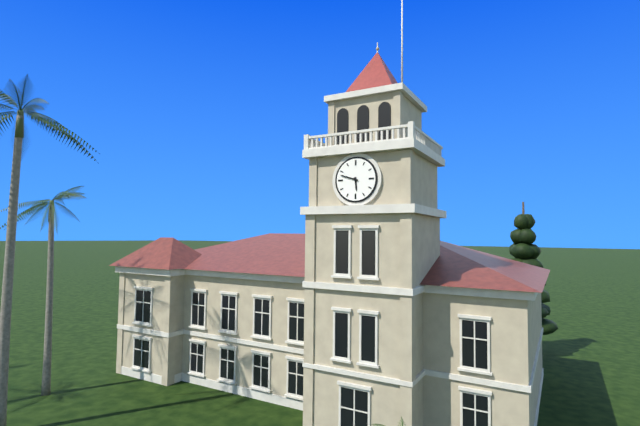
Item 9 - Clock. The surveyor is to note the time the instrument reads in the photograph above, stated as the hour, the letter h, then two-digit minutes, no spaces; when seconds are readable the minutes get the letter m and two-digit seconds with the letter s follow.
5h48
